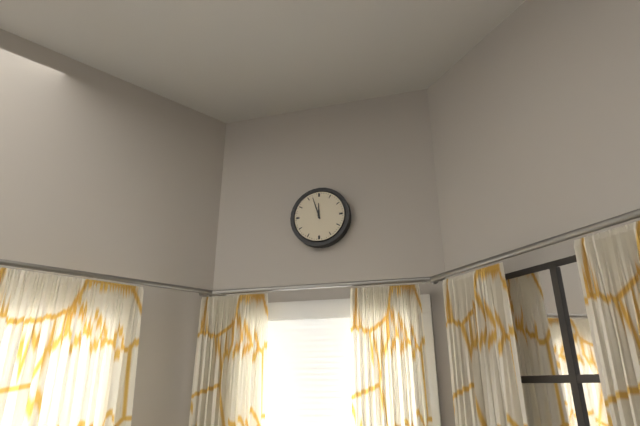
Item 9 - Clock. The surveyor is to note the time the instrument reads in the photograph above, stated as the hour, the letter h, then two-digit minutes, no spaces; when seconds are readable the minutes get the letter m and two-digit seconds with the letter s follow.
11h57
